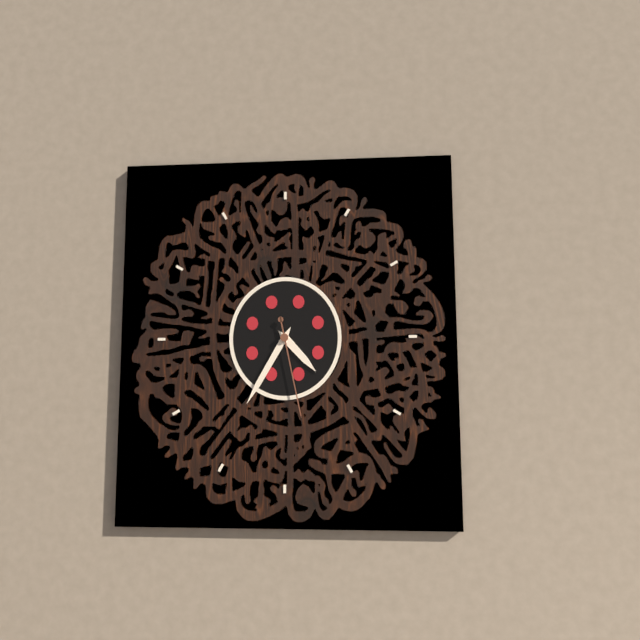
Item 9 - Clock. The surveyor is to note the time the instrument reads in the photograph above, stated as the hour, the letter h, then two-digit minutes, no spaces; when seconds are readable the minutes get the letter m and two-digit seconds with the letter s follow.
4h35m28s
